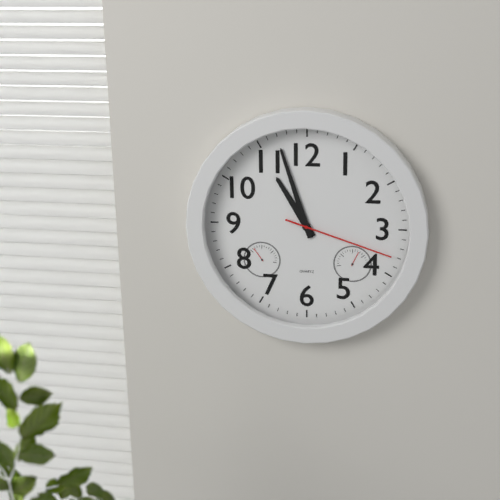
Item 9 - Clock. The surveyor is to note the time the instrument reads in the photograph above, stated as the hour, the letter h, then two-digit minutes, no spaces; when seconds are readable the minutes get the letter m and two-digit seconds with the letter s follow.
10h57m18s
